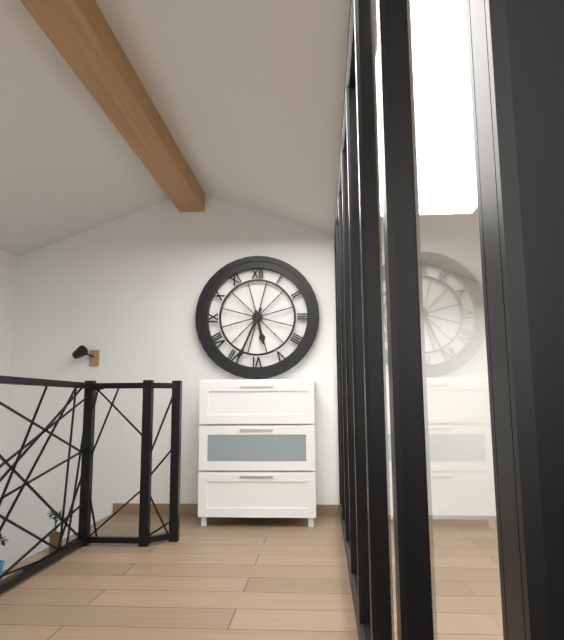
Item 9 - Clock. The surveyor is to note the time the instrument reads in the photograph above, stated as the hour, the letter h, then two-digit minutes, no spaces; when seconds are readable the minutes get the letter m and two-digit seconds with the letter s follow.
5h34
